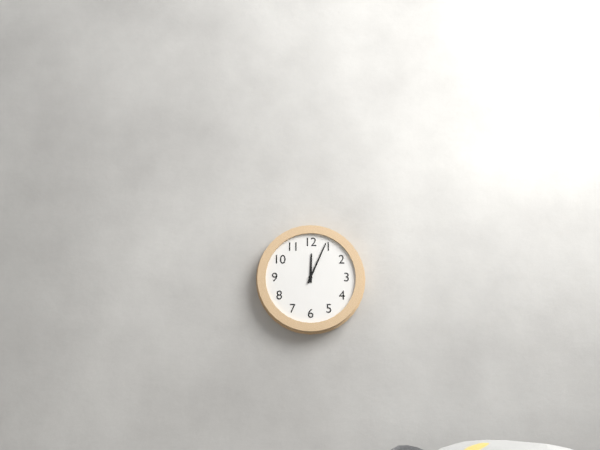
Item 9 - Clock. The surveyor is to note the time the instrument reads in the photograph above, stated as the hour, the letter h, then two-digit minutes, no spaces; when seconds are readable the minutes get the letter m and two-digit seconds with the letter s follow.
12h04
